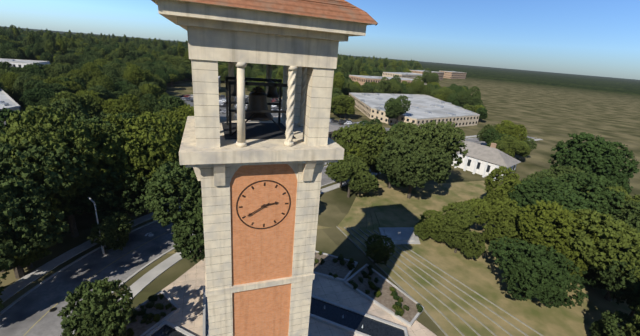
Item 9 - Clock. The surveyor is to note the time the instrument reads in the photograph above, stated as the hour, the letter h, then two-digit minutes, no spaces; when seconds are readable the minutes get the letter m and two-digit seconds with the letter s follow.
2h40
